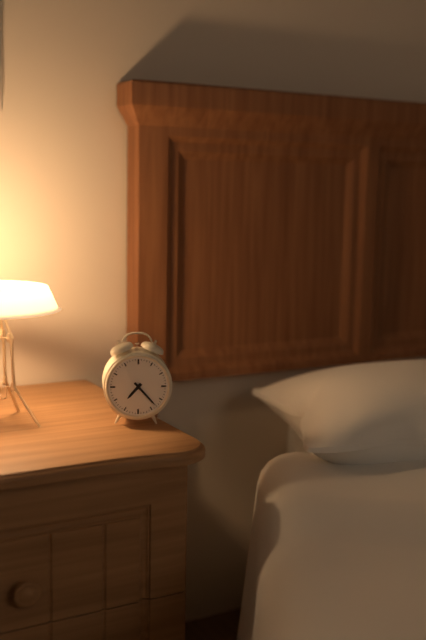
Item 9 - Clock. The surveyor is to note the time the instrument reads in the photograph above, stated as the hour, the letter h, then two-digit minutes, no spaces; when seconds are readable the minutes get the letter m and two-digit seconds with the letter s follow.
7h23
